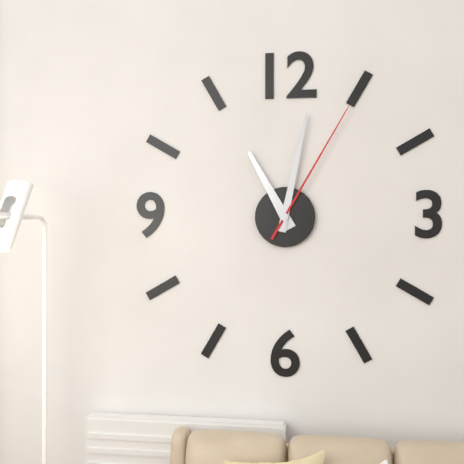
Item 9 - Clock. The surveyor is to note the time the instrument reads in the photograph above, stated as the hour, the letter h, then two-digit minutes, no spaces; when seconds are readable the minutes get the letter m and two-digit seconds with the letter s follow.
11h02m05s
